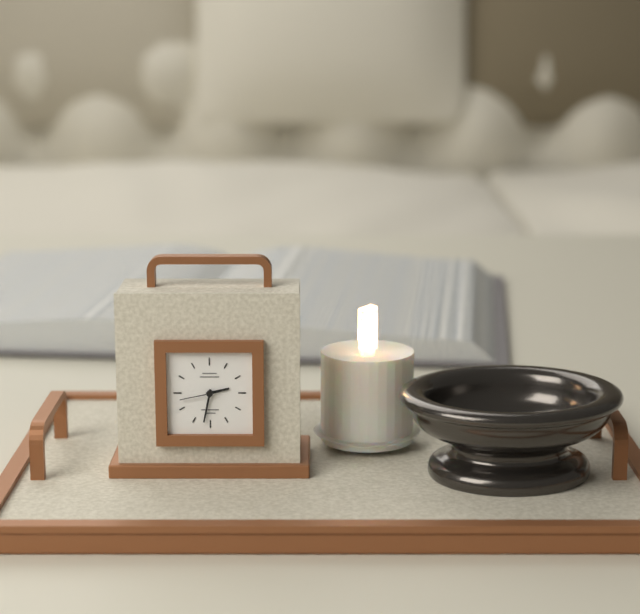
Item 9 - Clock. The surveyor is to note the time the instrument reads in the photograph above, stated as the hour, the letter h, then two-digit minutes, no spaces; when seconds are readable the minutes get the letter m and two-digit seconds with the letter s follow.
2h32
